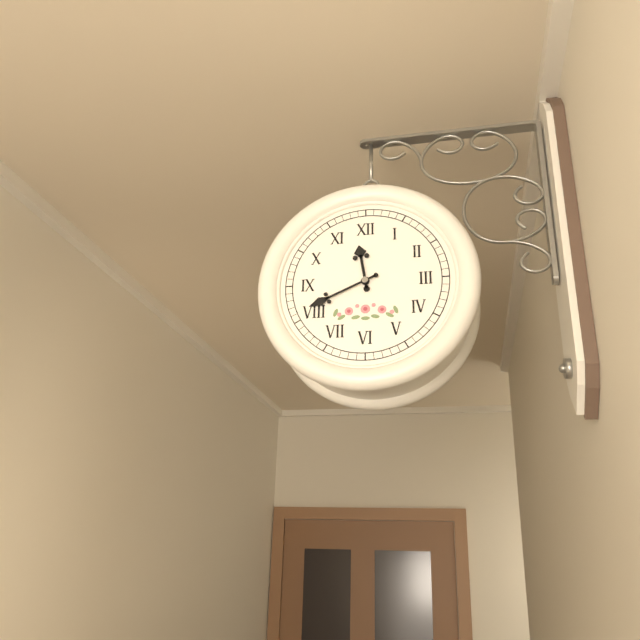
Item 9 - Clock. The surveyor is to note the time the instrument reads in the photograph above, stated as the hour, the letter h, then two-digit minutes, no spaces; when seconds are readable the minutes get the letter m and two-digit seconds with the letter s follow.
11h41
